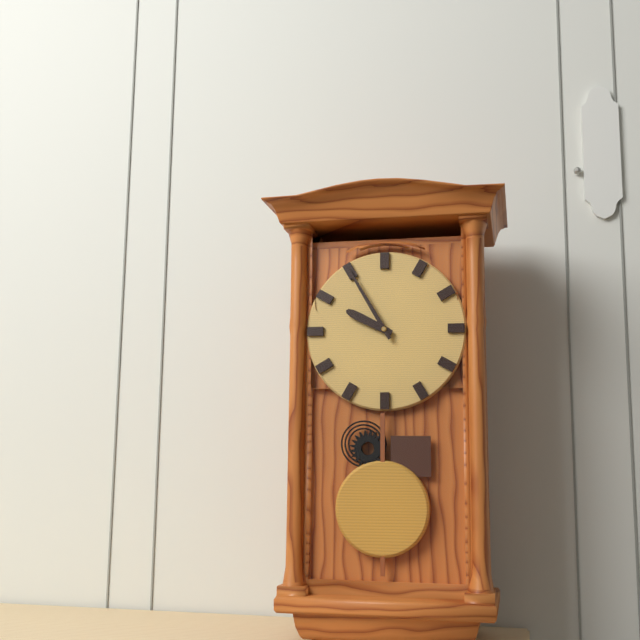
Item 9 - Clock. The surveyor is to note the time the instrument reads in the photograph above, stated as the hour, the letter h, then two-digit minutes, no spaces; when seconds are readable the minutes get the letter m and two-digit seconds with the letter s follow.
9h55
